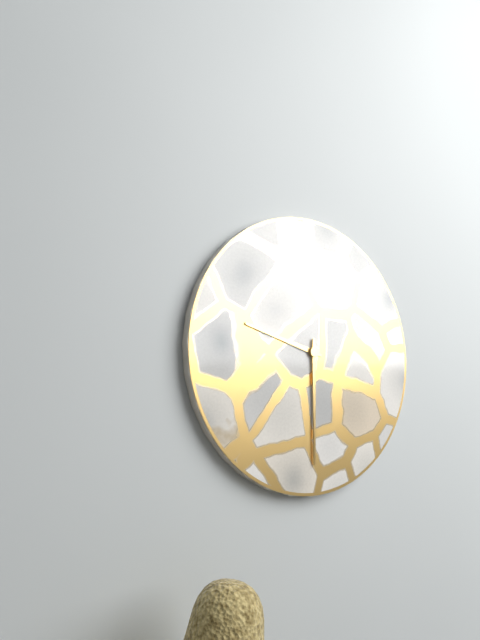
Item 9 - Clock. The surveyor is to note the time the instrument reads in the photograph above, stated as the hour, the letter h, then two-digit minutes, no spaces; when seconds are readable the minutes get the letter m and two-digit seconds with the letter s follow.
9h30
